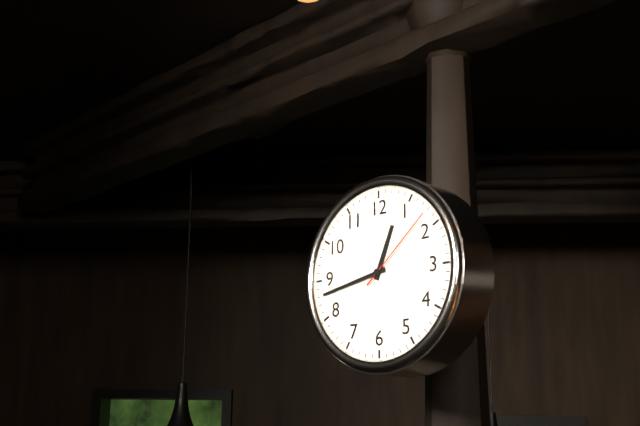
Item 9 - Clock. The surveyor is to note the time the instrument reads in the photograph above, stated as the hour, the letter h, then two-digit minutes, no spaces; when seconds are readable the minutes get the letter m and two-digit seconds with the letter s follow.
12h43m08s
